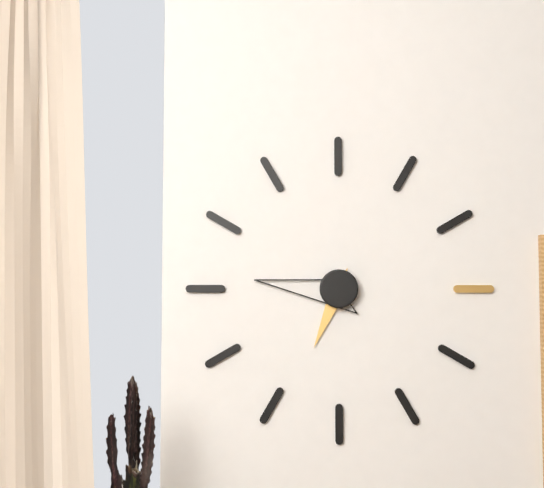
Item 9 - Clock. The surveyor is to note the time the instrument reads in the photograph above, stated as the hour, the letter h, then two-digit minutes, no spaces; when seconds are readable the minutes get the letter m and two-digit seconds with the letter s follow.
6h46
